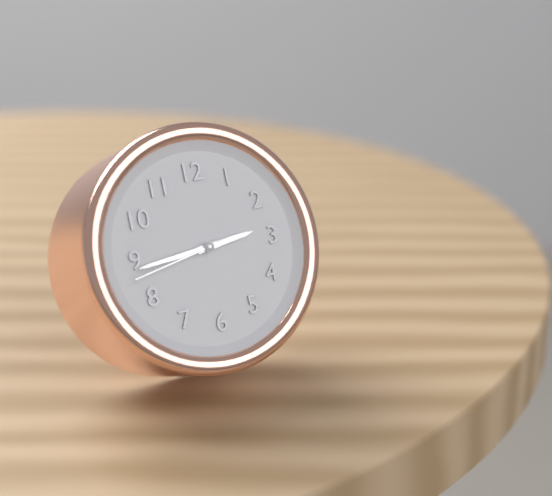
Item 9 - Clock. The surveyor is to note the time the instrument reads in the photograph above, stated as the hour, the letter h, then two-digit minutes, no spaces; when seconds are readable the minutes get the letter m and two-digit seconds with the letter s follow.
2h44m43s
